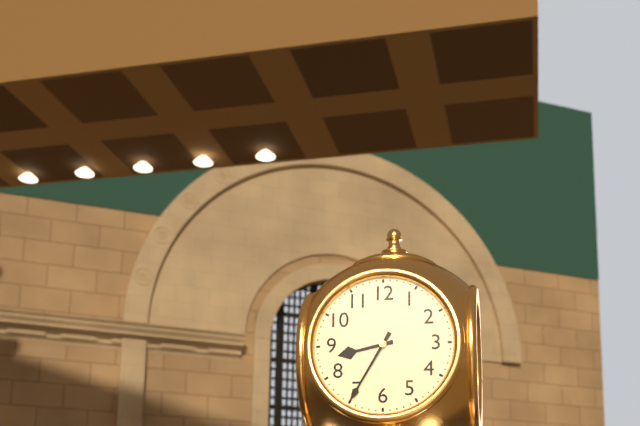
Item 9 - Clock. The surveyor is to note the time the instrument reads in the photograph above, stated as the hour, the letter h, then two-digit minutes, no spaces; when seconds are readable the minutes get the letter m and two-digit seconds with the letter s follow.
8h35
